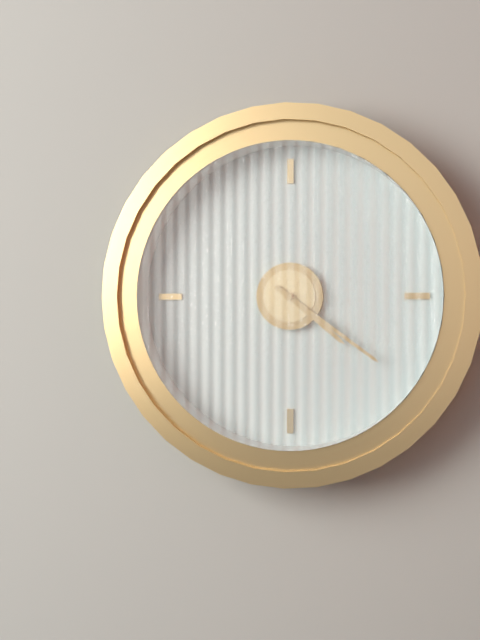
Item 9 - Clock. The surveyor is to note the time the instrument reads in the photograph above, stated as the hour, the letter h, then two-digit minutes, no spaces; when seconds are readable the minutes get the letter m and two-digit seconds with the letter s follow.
4h21
